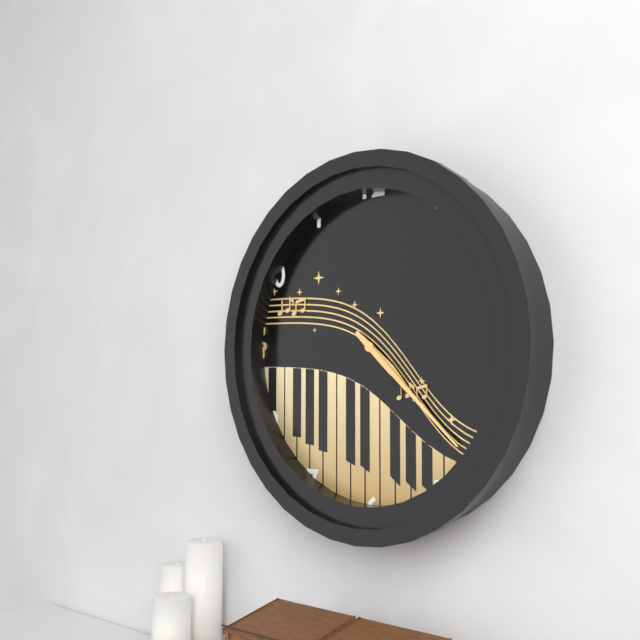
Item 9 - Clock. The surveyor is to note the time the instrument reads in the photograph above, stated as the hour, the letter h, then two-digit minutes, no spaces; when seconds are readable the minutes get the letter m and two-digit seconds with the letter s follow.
4h22
